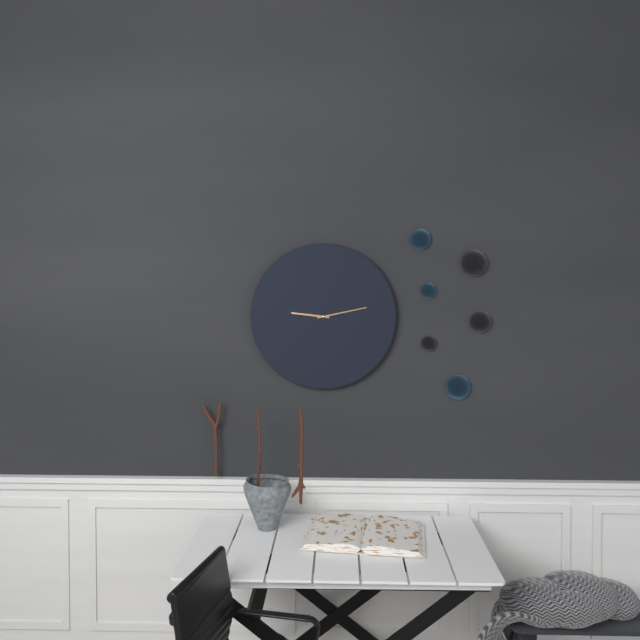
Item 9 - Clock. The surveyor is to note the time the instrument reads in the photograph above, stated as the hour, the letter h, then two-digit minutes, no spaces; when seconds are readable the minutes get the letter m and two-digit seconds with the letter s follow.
9h13
